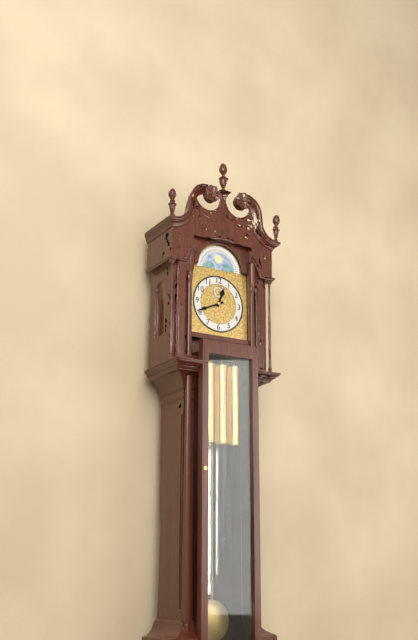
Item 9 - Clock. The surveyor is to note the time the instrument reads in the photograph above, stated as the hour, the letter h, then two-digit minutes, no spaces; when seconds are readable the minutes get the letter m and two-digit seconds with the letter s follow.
12h41
